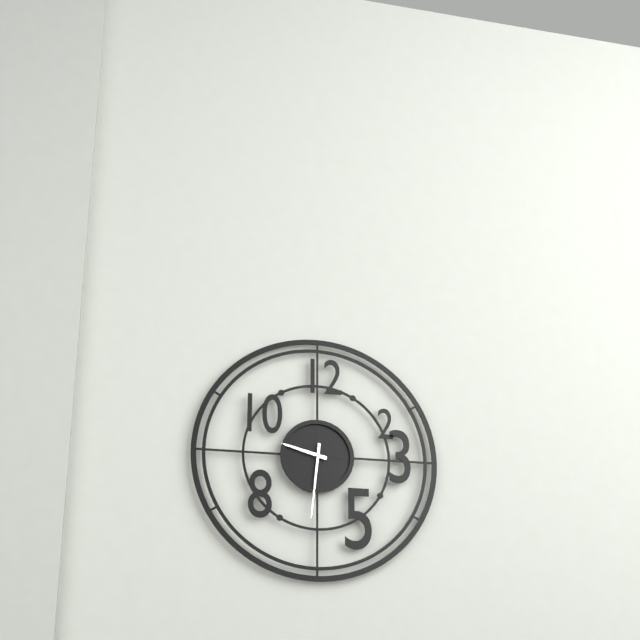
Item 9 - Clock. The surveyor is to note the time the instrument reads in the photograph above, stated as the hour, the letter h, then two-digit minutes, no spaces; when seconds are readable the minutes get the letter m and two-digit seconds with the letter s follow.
9h31
